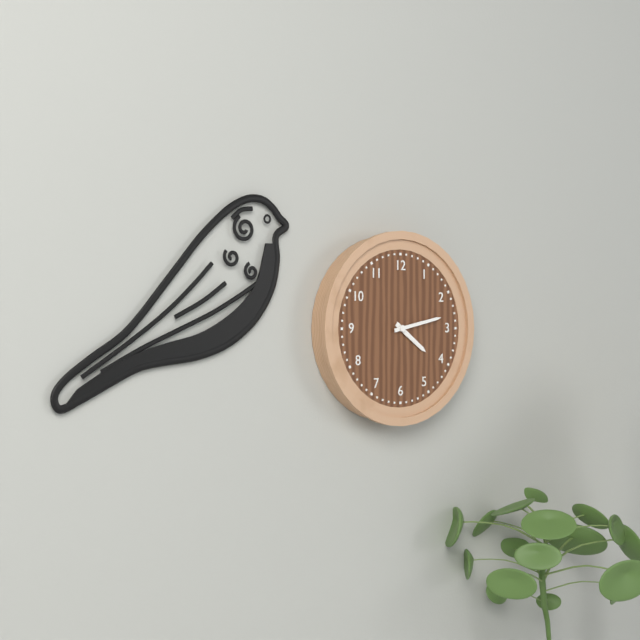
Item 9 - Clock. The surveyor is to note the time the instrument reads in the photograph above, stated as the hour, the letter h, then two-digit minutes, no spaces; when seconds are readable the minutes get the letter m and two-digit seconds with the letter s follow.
4h13
